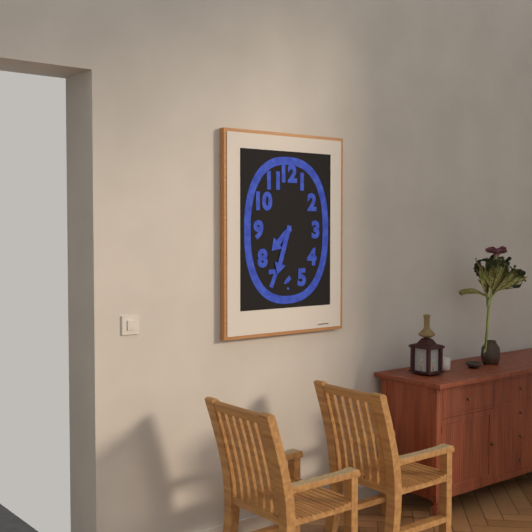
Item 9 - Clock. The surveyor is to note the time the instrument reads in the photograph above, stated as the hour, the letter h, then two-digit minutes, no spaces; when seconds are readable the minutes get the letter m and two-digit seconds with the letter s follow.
7h33
